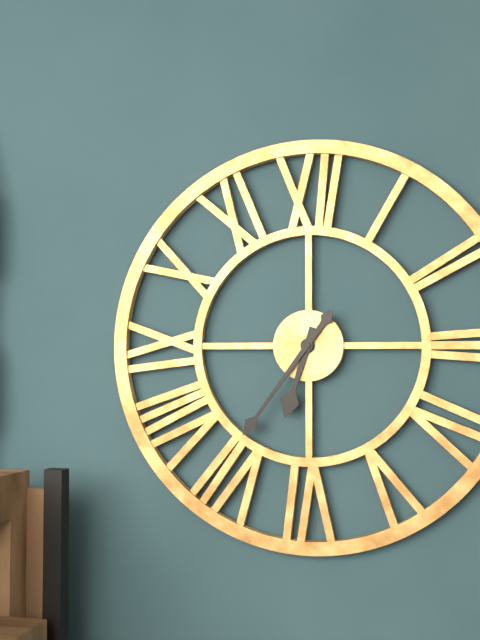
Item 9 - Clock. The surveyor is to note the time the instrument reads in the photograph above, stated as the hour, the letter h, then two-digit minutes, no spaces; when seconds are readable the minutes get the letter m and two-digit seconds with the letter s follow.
6h36
